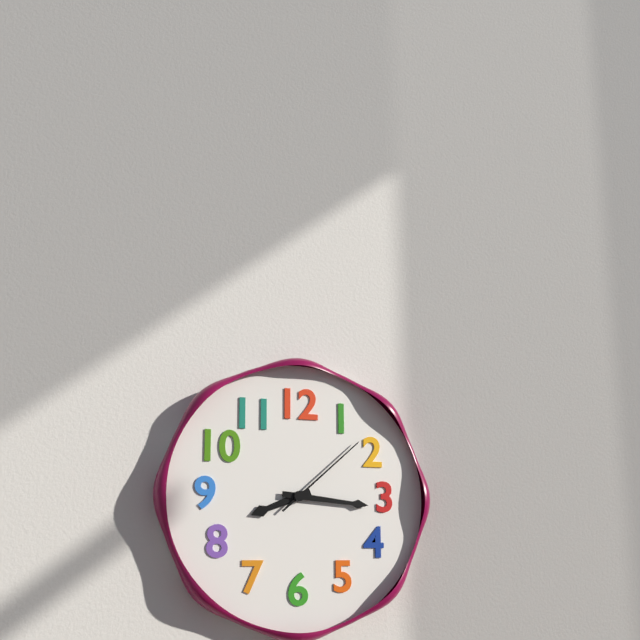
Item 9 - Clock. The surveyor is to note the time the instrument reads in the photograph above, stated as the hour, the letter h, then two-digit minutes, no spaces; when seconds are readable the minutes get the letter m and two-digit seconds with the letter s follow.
8h16m08s
